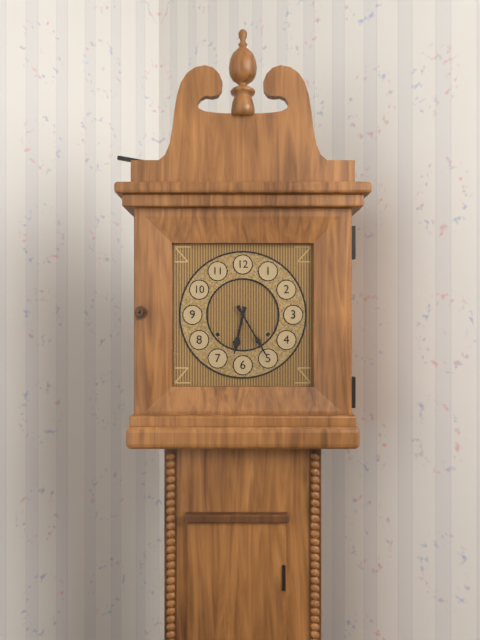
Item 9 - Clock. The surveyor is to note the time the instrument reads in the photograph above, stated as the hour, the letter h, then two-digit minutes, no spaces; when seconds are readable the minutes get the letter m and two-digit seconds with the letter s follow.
6h25
